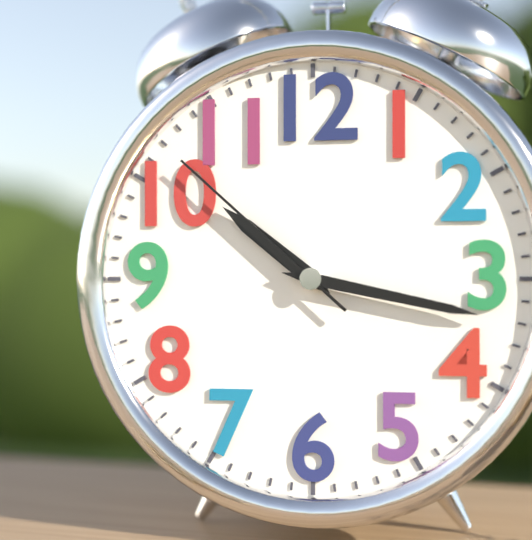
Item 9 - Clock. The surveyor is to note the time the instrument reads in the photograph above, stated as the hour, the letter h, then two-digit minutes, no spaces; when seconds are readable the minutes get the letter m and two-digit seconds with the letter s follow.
10h17m52s
